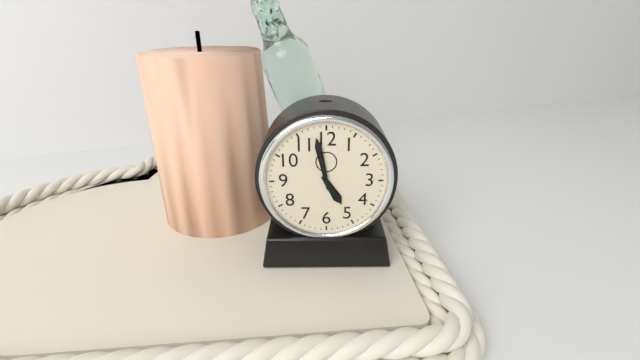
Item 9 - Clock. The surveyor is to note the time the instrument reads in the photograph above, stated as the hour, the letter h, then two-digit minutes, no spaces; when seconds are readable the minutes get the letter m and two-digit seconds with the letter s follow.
4h58
